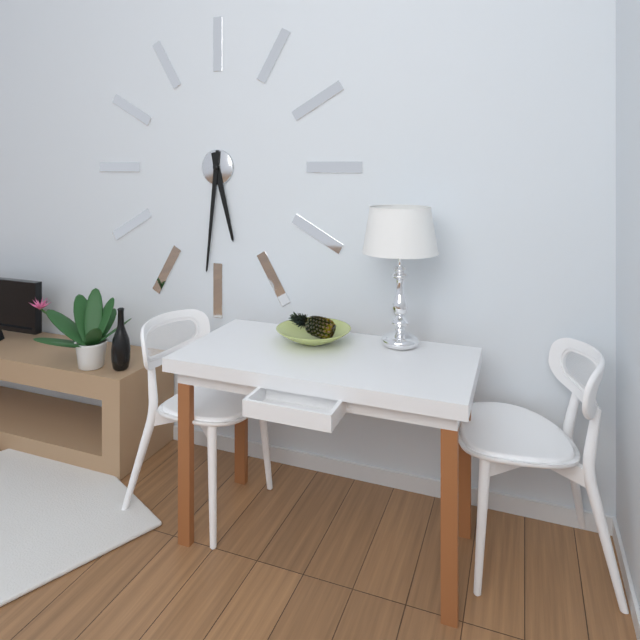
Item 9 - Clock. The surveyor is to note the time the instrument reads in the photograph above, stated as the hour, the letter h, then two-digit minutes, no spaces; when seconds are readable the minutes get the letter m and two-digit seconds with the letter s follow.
5h31
